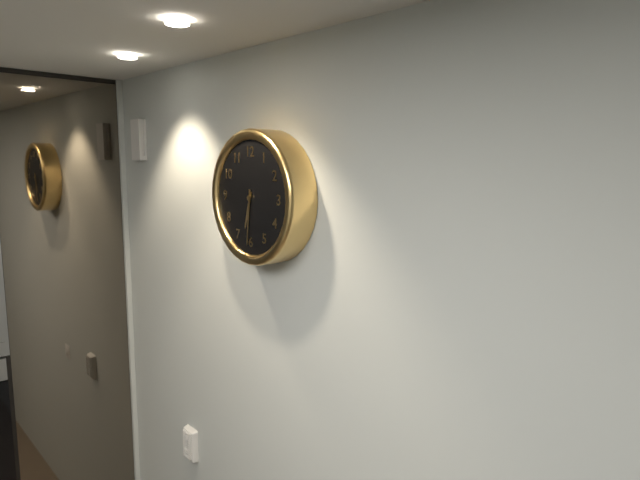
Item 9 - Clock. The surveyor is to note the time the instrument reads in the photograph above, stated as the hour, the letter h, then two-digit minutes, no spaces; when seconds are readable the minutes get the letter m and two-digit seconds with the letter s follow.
6h31
